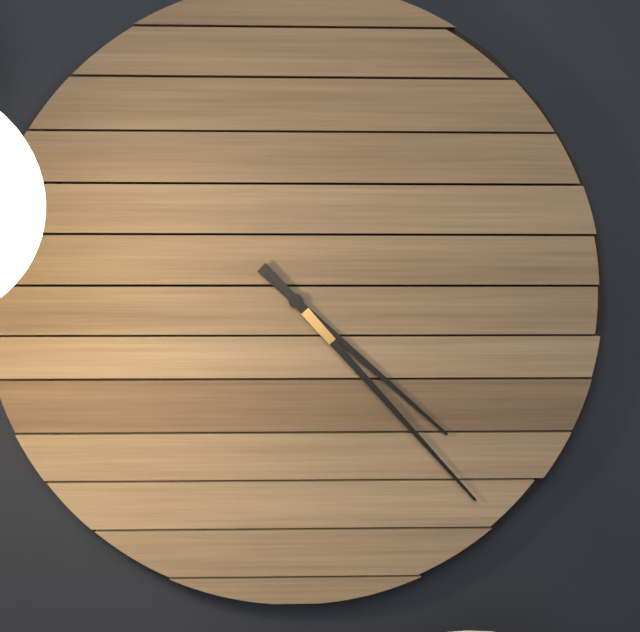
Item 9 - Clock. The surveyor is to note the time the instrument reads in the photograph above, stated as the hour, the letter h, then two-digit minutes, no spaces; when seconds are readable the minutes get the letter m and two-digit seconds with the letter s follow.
4h23
